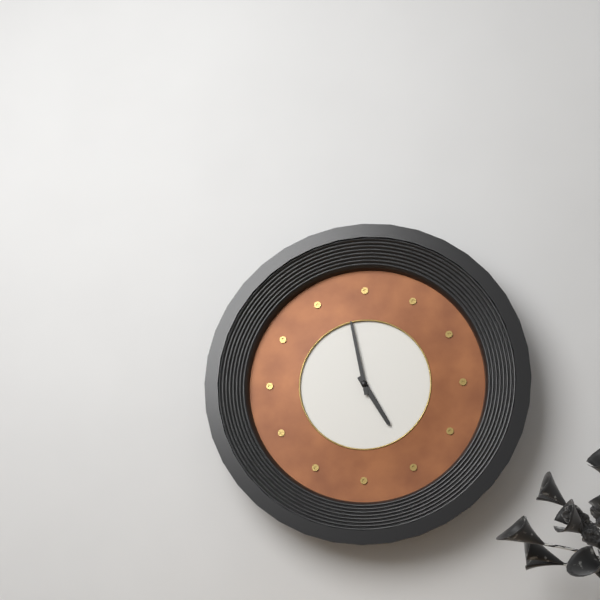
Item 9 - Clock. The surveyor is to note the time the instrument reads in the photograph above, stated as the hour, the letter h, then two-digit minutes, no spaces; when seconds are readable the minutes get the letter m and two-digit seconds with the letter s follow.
4h58
